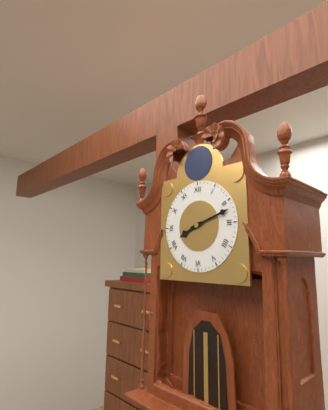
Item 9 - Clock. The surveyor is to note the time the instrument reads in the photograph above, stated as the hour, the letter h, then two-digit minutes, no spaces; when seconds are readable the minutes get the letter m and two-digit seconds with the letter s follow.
8h12
